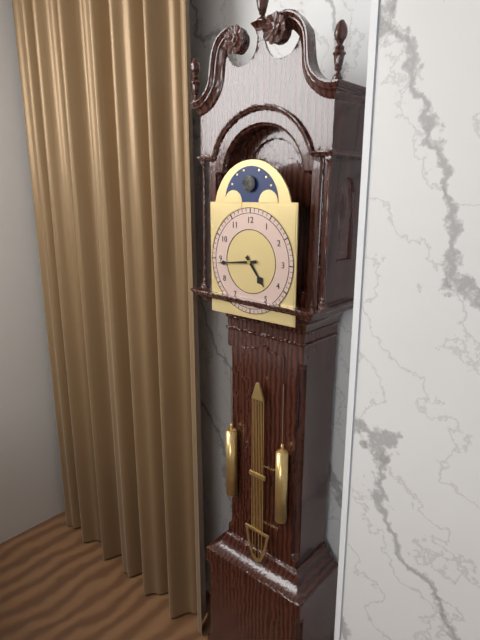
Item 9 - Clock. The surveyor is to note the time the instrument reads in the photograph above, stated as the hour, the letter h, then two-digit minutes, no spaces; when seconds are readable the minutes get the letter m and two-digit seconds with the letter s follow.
4h44
